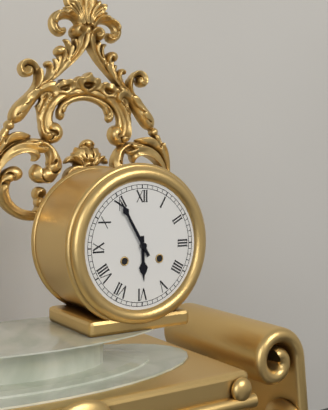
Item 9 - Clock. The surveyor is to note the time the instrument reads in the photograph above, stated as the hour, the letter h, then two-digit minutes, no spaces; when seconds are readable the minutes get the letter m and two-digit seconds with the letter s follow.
5h55
